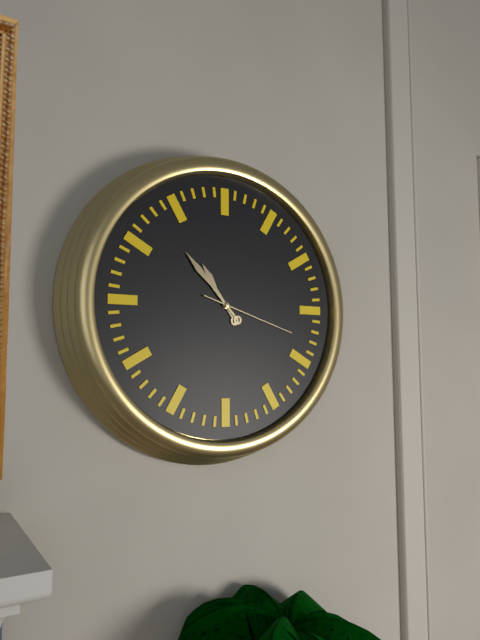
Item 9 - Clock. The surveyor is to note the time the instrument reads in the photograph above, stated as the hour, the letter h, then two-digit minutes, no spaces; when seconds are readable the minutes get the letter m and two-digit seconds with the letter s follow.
10h53m18s
